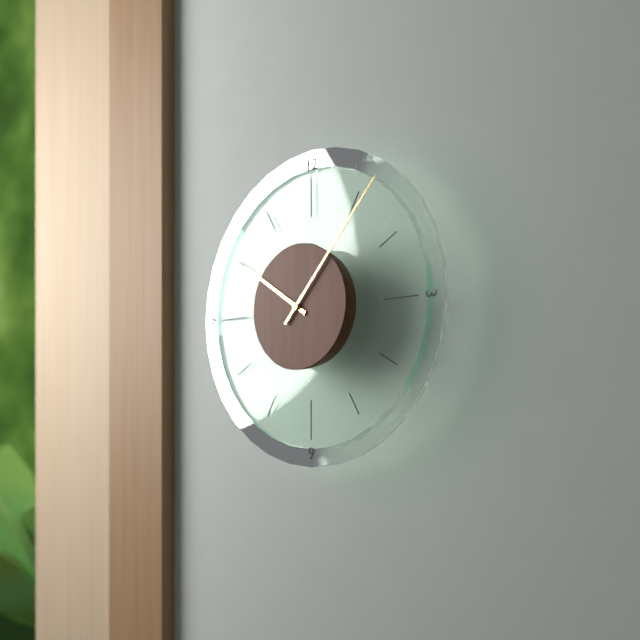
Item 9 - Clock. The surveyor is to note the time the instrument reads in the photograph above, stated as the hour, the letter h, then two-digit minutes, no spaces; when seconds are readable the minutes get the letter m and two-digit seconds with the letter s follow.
10h07
